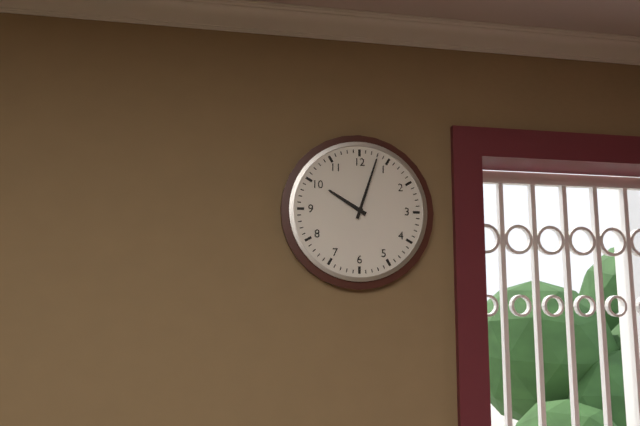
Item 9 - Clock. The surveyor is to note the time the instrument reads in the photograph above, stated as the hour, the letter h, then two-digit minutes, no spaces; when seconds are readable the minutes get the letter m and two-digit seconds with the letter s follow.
10h03
